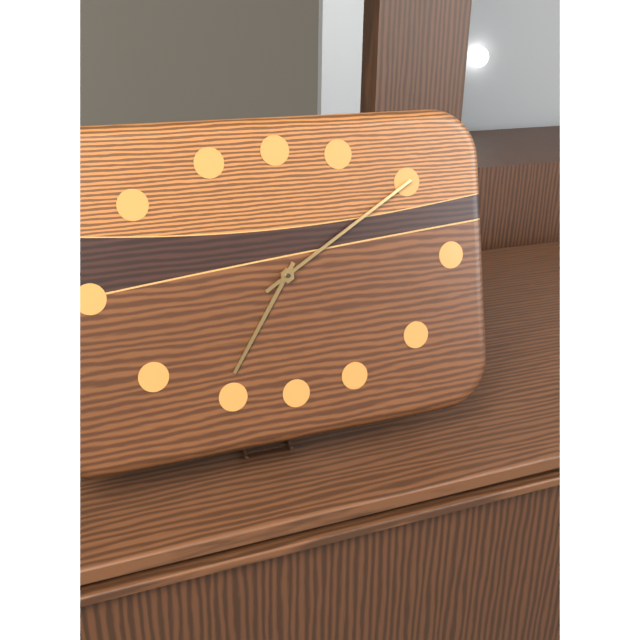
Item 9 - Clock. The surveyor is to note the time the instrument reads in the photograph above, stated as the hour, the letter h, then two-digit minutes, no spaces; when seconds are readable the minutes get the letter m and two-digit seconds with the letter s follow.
7h10
